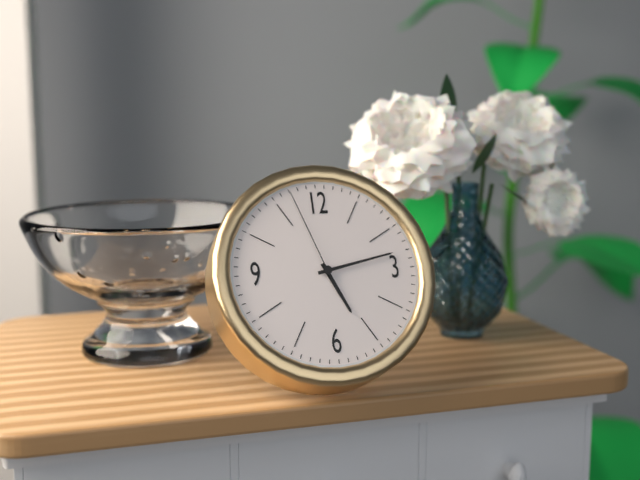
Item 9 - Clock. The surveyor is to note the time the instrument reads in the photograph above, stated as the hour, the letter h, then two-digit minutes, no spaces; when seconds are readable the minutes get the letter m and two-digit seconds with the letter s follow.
5h13m57s
